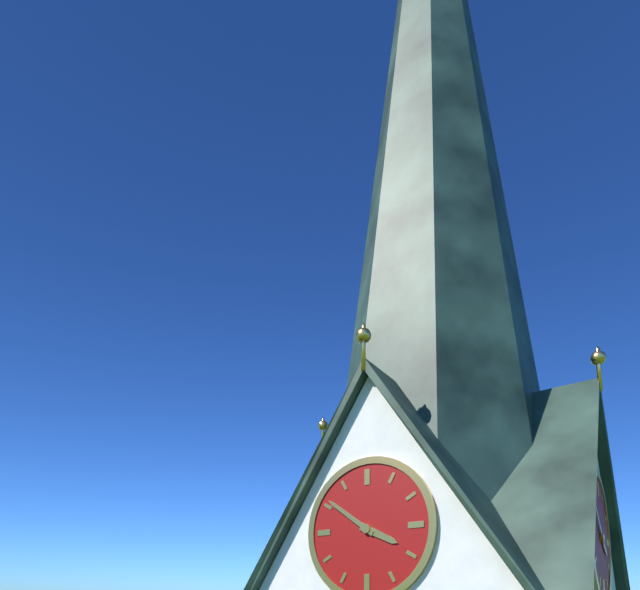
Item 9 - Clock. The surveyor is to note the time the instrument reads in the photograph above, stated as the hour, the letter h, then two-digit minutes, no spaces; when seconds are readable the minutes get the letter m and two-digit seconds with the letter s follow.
3h51
